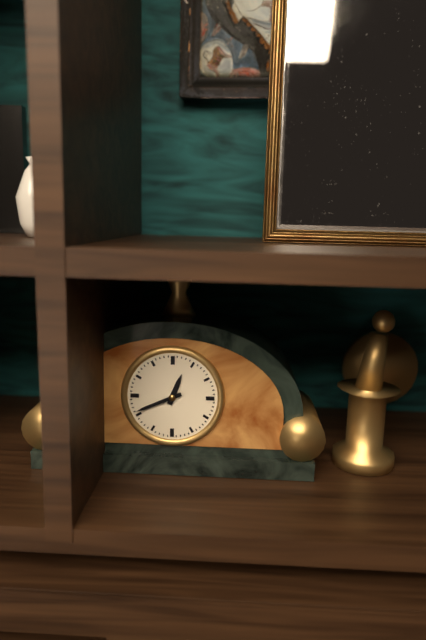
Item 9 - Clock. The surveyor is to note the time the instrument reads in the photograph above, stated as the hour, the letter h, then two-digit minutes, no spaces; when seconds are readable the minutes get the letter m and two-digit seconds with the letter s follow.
12h41
